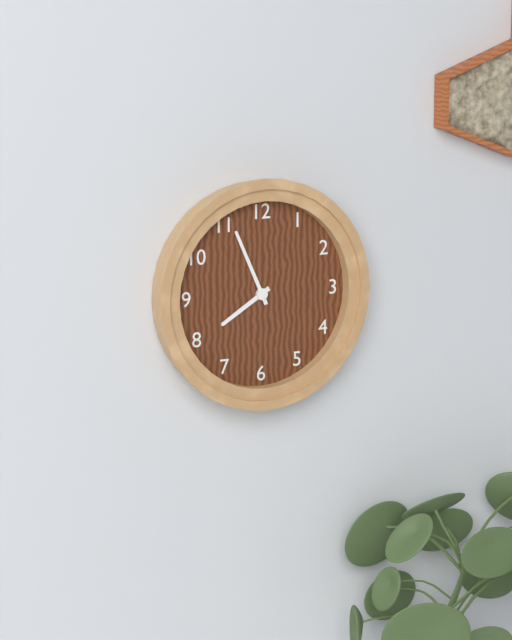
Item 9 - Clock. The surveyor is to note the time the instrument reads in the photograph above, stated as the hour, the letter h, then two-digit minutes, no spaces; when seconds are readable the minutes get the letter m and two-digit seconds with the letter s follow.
7h56
